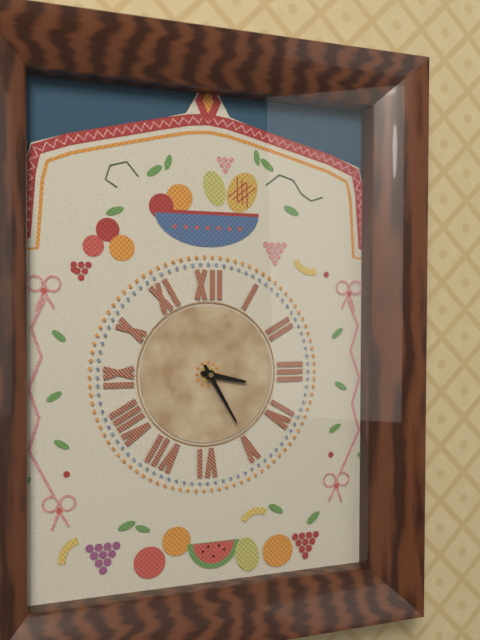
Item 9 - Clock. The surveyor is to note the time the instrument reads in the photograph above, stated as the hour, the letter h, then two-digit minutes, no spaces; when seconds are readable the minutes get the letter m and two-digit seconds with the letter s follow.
3h25
